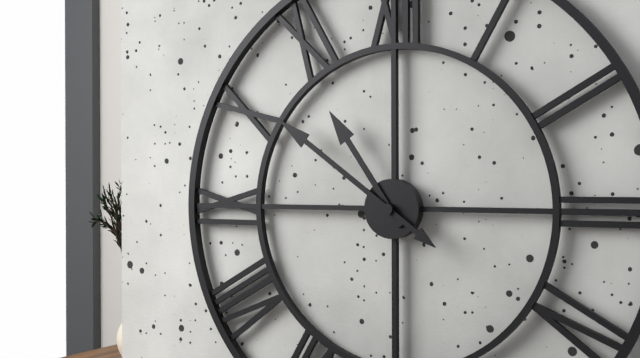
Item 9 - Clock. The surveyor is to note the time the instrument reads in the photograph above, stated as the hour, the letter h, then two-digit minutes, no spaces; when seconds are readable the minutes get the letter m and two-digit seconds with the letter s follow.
10h51
